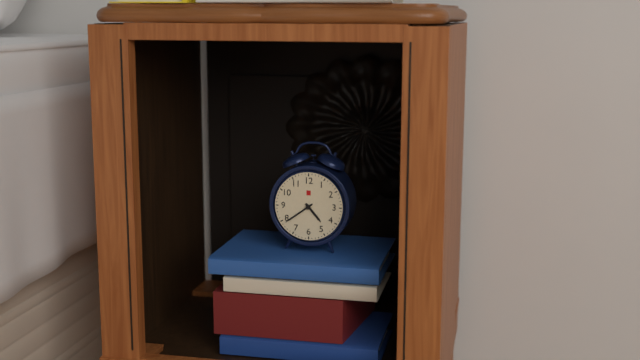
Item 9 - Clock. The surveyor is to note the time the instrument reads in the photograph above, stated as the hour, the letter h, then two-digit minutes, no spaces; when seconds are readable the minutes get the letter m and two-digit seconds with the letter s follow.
4h39
